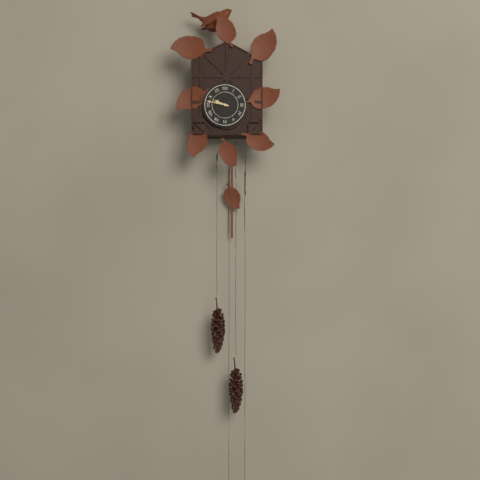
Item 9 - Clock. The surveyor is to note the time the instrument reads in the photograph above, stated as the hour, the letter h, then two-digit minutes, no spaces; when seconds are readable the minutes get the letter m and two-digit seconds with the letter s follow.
9h47
